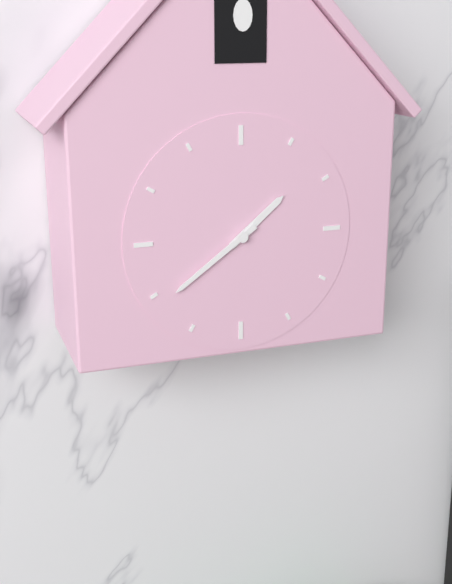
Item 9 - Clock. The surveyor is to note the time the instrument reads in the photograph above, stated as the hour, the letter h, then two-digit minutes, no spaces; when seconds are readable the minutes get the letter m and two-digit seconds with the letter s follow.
1h39
